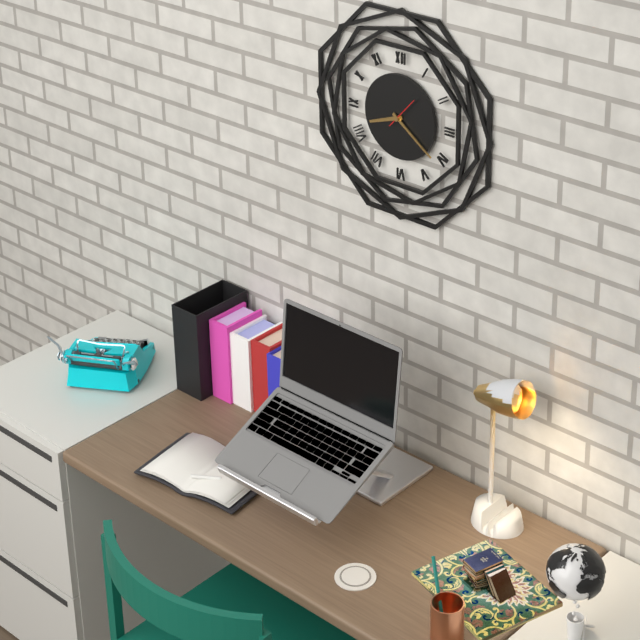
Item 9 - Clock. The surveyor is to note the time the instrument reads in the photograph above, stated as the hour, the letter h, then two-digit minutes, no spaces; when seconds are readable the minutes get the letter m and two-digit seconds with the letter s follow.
8h21
